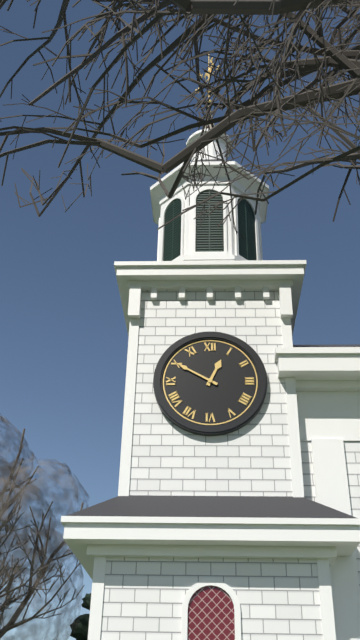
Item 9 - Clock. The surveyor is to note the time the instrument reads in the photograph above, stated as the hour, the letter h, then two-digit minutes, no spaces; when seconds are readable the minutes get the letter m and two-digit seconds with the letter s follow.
12h50
